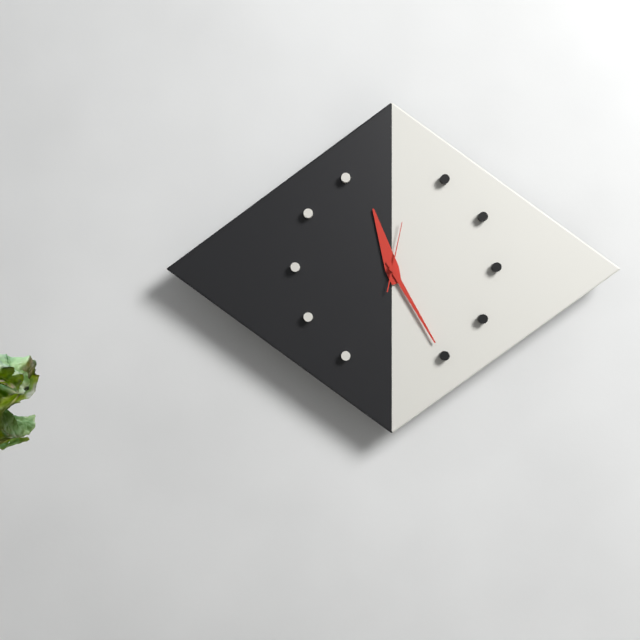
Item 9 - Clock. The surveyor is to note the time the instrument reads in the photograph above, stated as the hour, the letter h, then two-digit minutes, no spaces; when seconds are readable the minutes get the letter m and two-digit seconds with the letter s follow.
11h25m02s
